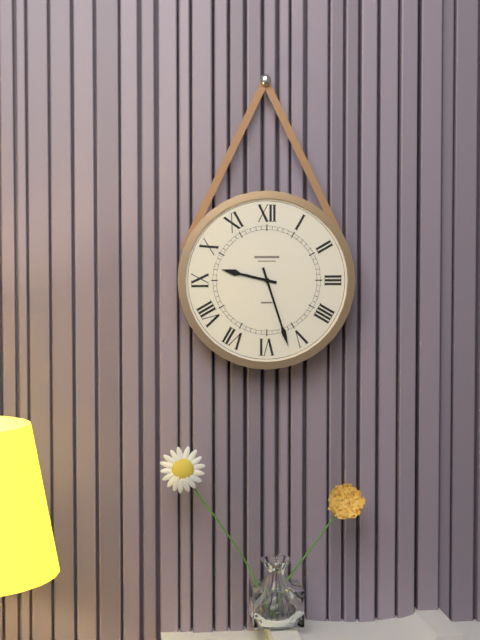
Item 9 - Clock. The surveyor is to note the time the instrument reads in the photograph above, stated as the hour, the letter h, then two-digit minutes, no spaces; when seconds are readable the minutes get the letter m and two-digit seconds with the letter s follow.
9h27
